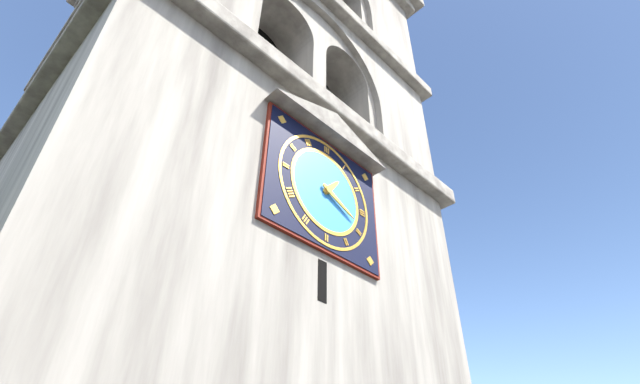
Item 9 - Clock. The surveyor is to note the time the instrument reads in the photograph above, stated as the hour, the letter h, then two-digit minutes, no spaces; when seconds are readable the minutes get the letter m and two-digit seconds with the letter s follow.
1h19
